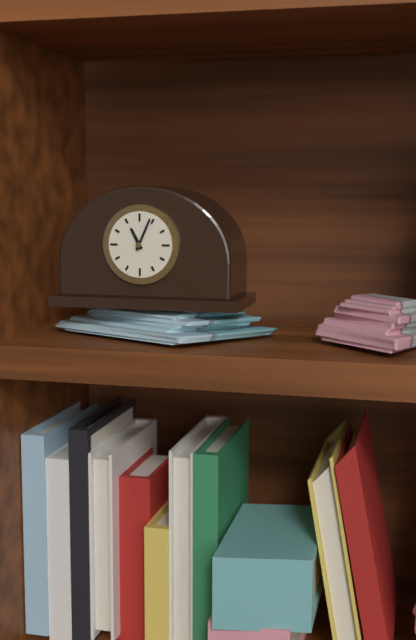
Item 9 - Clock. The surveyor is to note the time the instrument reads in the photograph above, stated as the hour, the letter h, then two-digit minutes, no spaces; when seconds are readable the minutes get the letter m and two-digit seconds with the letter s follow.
11h04
